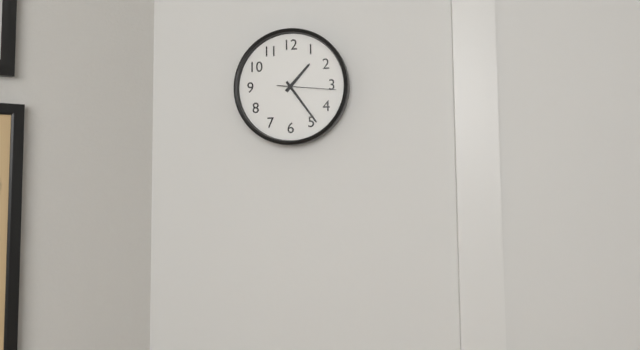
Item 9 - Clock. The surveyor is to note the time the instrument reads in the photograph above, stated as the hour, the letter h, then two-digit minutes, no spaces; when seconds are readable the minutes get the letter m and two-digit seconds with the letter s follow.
1h24m16s
